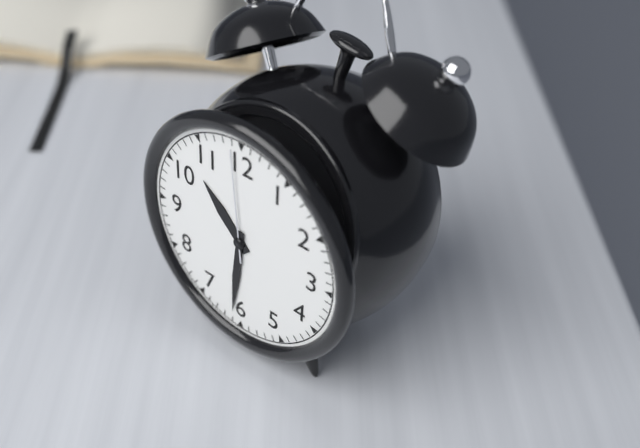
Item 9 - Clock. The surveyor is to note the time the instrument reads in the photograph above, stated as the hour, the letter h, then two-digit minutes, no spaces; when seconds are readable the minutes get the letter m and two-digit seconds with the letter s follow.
10h31m59s
